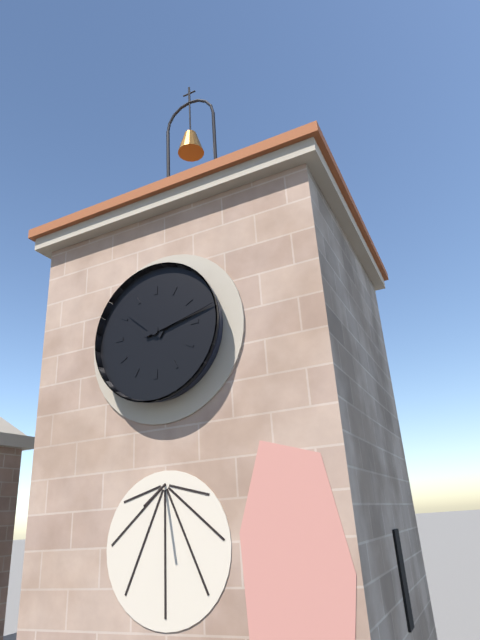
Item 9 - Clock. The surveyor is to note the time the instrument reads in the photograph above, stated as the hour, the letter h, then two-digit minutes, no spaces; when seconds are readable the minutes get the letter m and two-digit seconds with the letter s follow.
10h13
